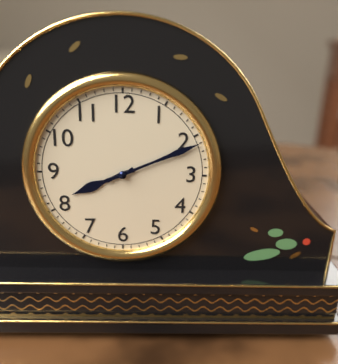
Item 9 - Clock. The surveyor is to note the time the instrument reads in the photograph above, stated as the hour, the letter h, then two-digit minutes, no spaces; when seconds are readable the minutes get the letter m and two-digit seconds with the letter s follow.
8h11
